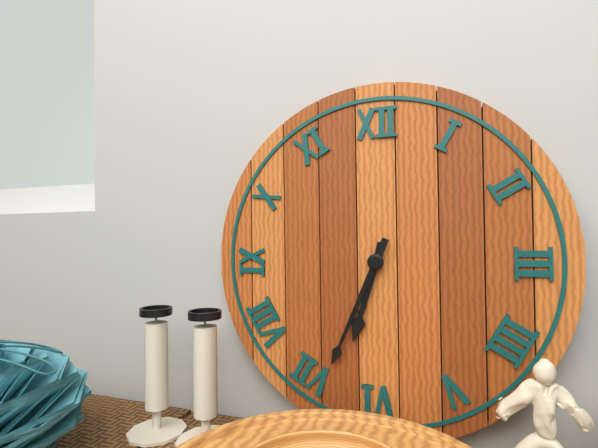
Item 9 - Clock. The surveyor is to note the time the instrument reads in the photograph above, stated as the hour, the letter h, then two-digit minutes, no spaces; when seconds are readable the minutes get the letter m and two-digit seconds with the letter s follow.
6h34
